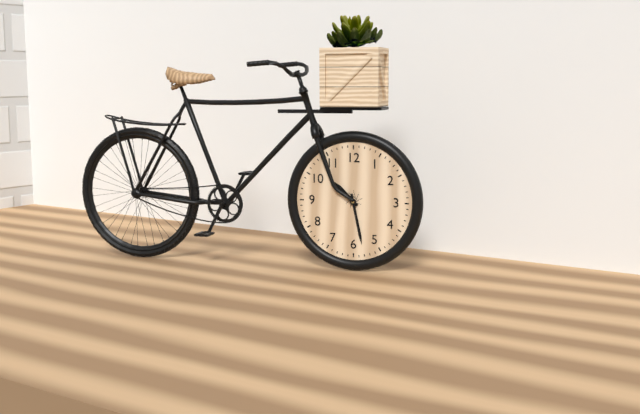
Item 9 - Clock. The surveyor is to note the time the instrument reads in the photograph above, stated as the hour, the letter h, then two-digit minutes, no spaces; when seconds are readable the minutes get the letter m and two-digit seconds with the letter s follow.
10h28
